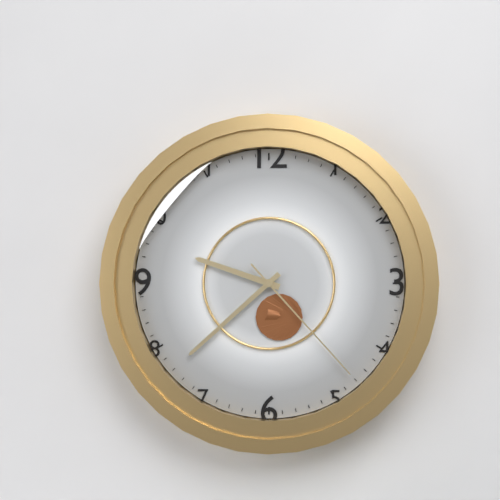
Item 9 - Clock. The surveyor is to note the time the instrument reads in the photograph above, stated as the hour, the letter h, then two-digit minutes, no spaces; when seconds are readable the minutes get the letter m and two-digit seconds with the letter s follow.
9h38m23s
